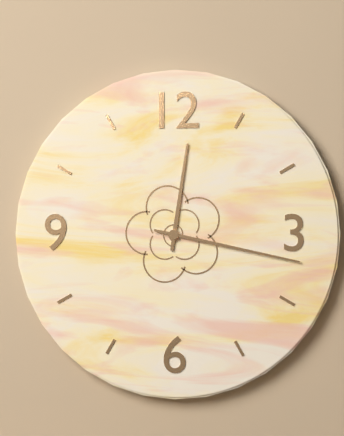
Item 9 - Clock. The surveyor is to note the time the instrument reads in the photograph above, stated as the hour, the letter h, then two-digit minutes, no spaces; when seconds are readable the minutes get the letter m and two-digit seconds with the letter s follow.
12h17
